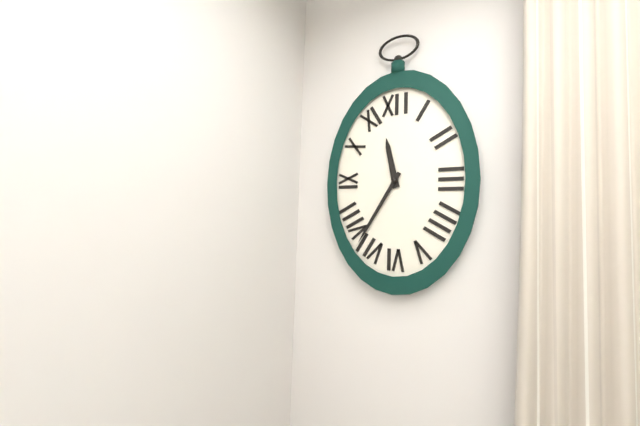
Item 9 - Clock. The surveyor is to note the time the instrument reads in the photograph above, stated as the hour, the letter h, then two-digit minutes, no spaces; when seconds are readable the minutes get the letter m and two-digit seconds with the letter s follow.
11h35
